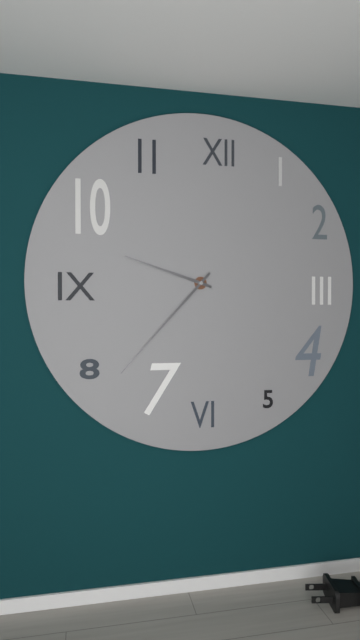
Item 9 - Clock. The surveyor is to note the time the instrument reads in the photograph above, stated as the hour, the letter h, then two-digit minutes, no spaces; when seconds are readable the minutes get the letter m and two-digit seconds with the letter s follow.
9h37
